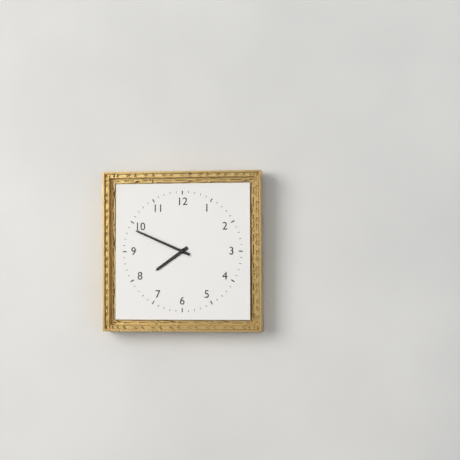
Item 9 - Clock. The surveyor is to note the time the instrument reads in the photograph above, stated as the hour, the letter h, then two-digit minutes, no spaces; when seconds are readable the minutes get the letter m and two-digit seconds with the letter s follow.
7h49
